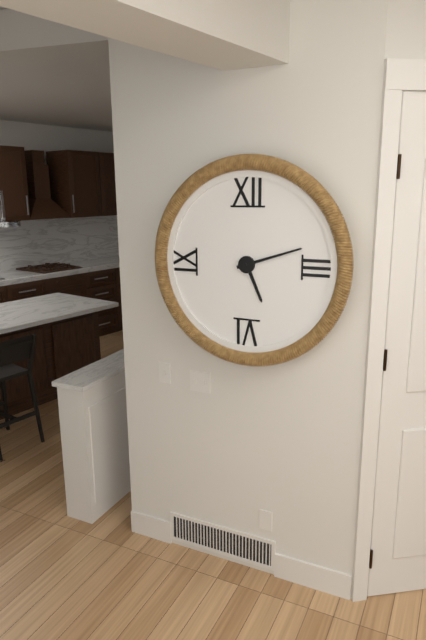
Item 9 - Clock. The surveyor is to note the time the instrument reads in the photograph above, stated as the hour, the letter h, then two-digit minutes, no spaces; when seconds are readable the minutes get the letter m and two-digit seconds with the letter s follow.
5h12
